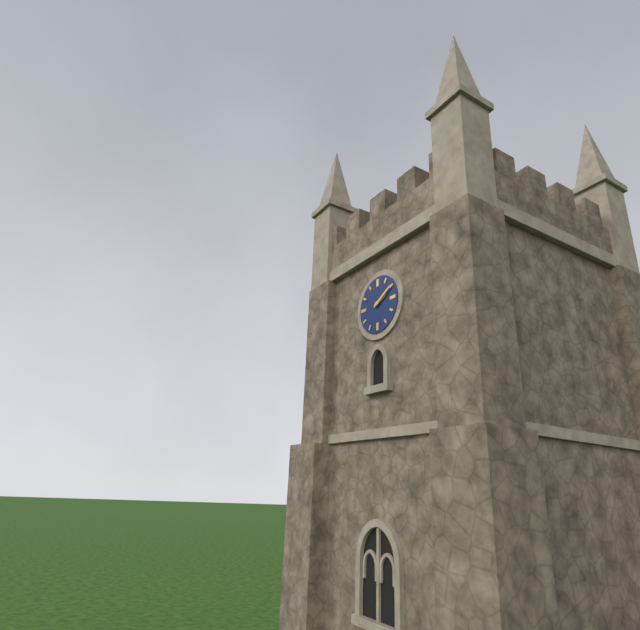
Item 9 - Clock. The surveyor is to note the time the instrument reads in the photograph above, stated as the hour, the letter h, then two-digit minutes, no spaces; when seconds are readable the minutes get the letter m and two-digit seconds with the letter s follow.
2h10
